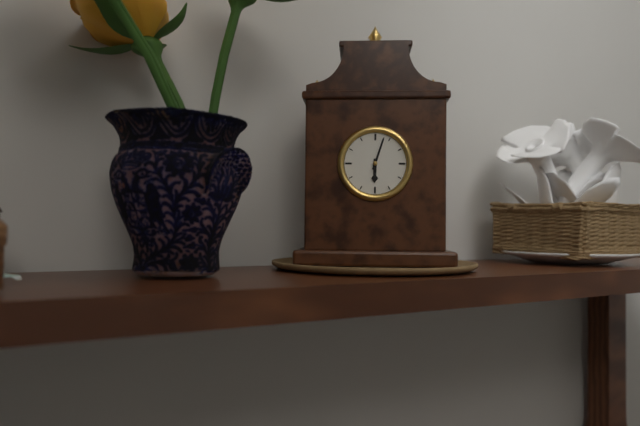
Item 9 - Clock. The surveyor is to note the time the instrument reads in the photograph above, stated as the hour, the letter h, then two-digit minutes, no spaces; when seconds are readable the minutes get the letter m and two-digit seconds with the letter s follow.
6h03
